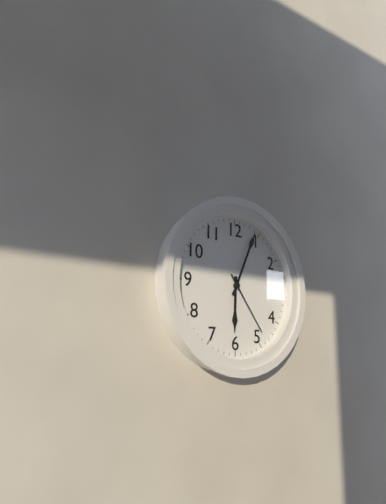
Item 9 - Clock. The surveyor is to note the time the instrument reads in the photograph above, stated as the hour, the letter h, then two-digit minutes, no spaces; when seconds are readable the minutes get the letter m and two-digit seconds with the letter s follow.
6h04m24s
